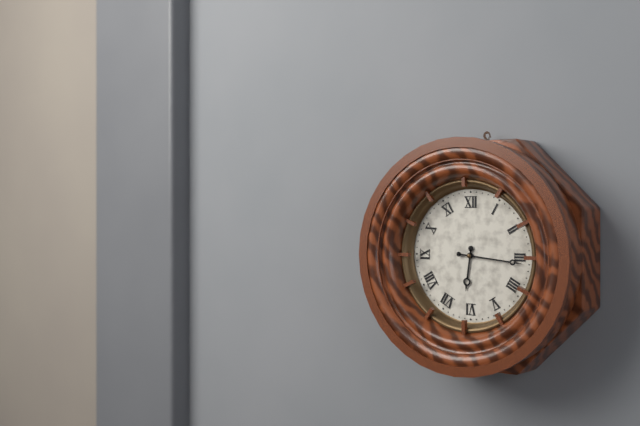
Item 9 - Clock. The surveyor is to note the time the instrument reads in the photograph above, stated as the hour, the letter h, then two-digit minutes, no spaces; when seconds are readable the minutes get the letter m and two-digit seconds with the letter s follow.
6h16
